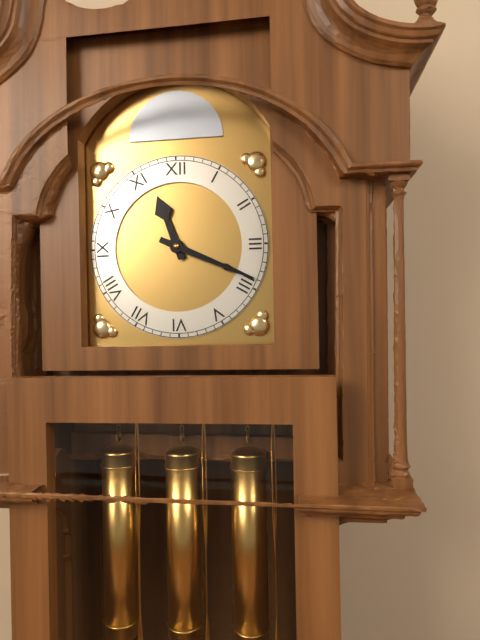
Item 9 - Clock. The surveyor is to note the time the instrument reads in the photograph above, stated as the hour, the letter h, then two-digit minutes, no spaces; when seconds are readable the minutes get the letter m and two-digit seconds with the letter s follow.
11h19
